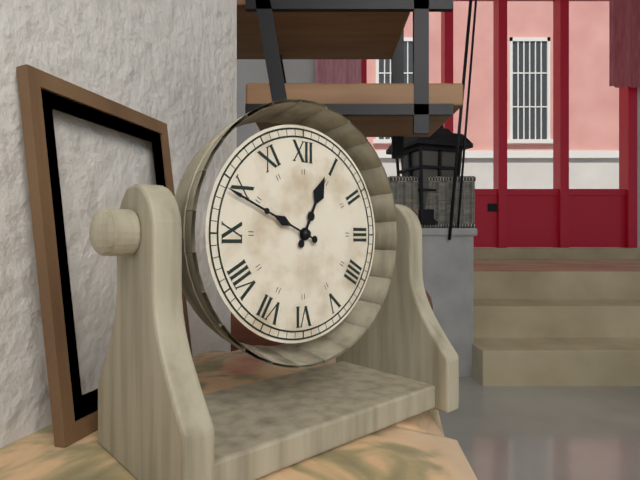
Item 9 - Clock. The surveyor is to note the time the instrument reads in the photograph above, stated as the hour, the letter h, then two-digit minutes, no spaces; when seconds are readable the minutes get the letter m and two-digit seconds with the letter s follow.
12h49
